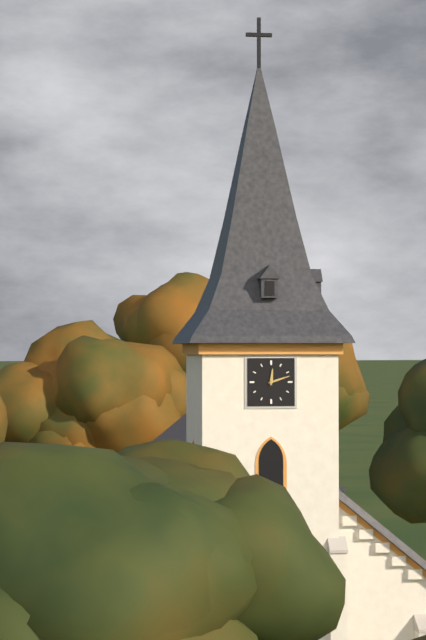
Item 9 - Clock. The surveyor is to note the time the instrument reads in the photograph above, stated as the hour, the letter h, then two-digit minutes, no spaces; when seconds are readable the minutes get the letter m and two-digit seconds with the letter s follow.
12h12
